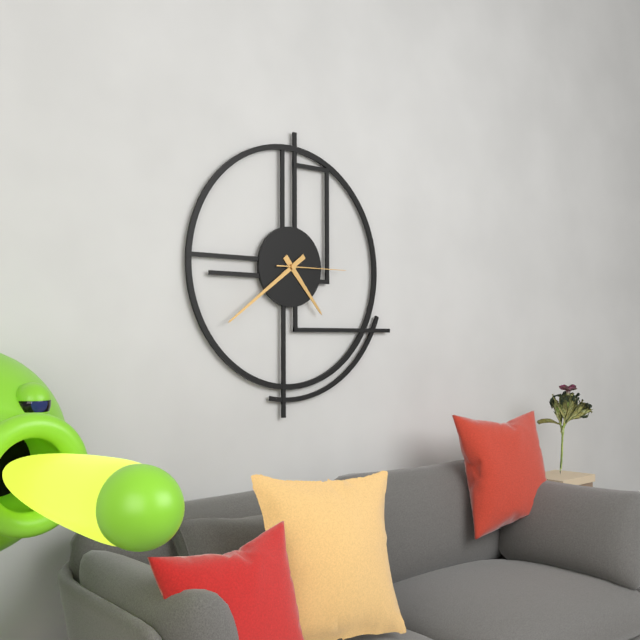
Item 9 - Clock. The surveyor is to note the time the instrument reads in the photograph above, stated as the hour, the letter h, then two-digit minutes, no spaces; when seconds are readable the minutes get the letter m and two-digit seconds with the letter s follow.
4h39m15s
